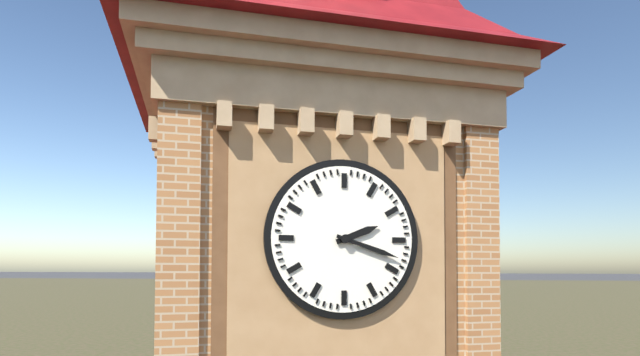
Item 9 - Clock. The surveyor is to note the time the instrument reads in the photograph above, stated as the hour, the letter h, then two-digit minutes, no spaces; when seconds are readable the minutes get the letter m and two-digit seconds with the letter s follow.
2h18
